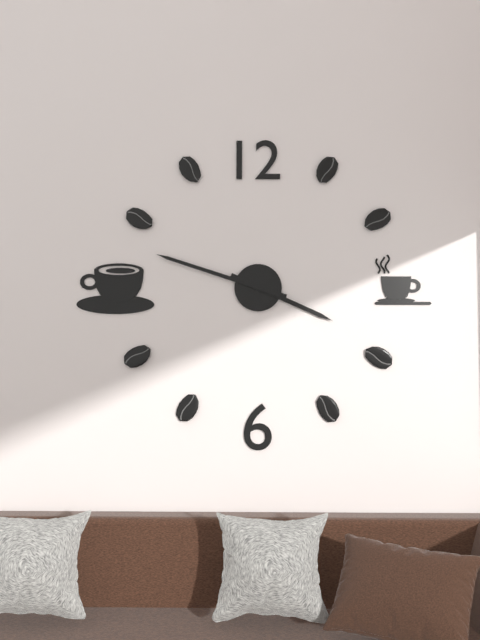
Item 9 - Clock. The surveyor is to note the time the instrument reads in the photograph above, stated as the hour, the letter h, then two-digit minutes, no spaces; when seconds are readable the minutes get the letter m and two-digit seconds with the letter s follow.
3h48
